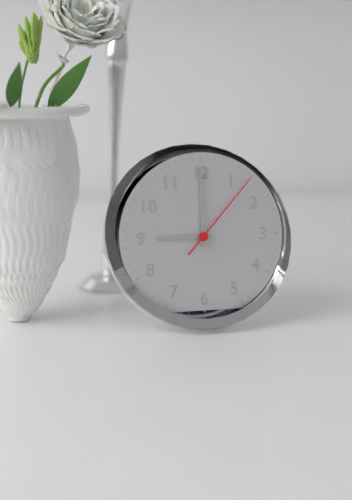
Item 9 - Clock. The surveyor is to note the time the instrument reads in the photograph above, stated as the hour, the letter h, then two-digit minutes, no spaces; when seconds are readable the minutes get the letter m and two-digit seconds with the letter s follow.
9h00m07s
